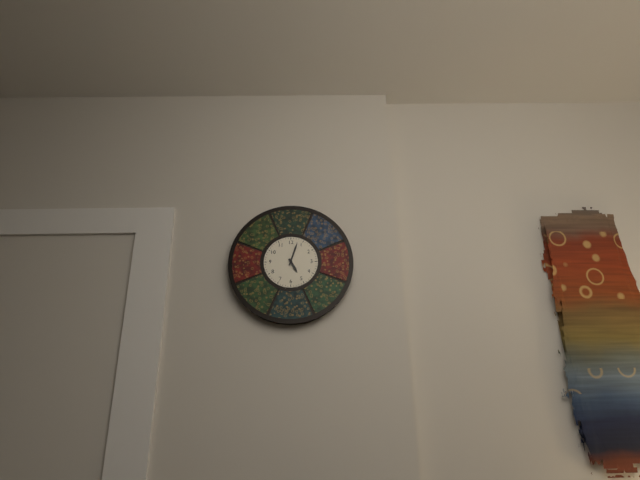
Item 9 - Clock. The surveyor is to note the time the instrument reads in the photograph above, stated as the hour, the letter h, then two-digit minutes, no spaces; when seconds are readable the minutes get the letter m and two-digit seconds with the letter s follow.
5h03
